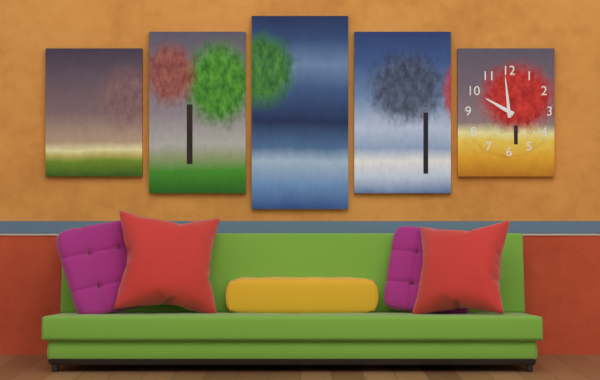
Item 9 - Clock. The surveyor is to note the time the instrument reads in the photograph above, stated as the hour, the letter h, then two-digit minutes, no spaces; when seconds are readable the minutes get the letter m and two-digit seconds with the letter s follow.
9h59
